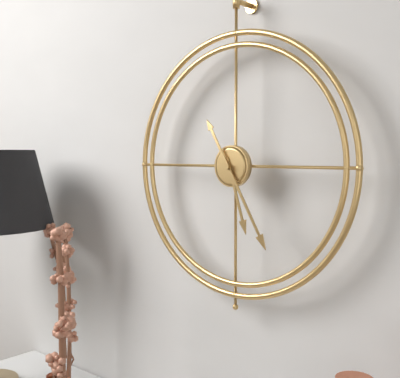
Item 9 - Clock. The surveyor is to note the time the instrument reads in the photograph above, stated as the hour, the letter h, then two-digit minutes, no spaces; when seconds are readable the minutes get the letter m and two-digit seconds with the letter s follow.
5h25
